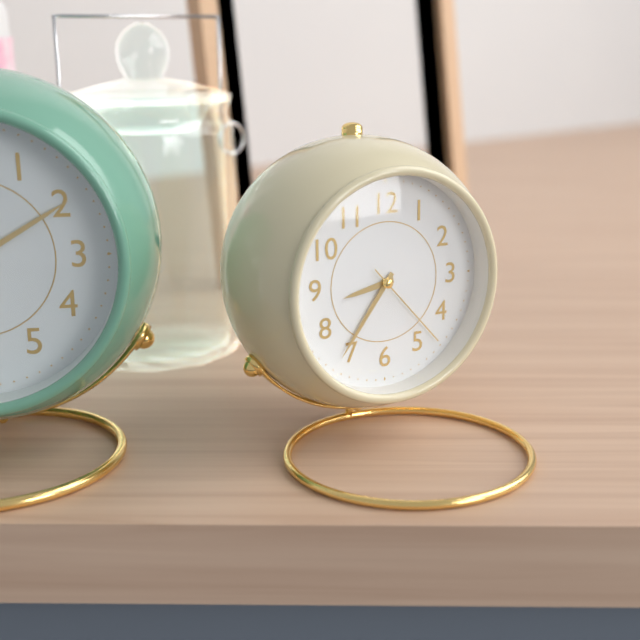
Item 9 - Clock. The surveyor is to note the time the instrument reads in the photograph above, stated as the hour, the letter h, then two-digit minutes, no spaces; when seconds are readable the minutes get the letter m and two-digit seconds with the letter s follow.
8h36m23s
